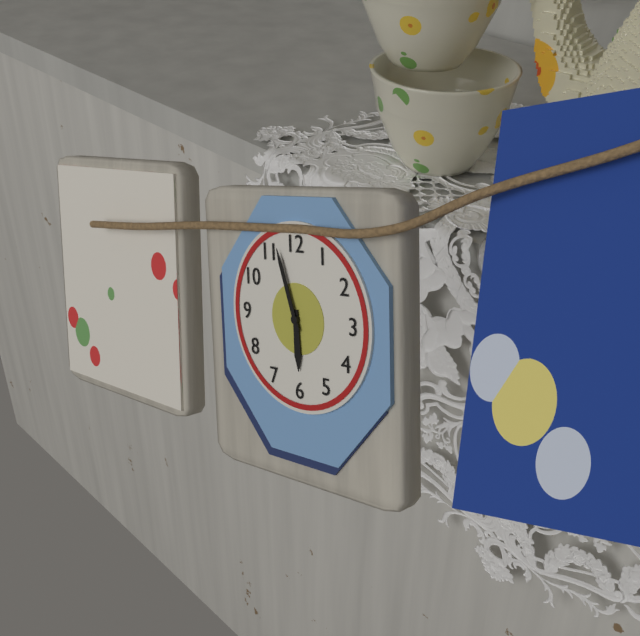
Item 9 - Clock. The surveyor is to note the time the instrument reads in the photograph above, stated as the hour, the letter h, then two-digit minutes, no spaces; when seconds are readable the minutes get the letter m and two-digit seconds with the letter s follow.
5h57
